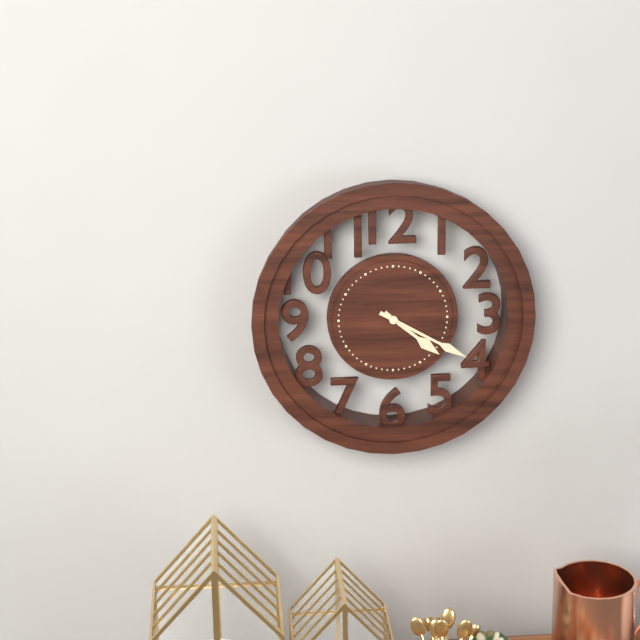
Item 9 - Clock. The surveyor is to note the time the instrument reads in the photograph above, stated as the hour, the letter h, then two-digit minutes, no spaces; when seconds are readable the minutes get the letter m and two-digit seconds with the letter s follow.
4h20
